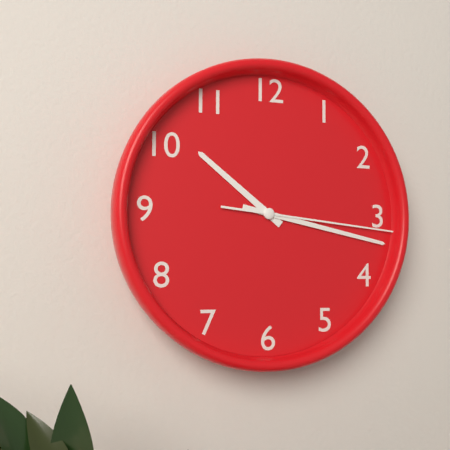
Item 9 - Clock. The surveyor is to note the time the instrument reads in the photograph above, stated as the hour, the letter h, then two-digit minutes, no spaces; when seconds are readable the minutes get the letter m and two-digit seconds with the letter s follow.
10h17m16s
